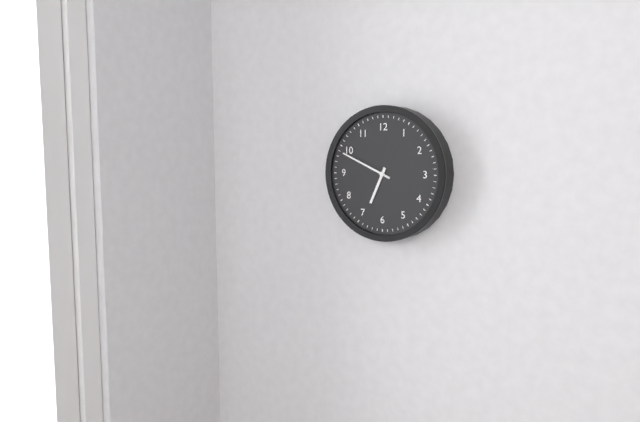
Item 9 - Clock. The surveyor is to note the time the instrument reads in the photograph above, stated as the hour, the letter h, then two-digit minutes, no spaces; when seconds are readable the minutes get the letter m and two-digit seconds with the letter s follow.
6h49
